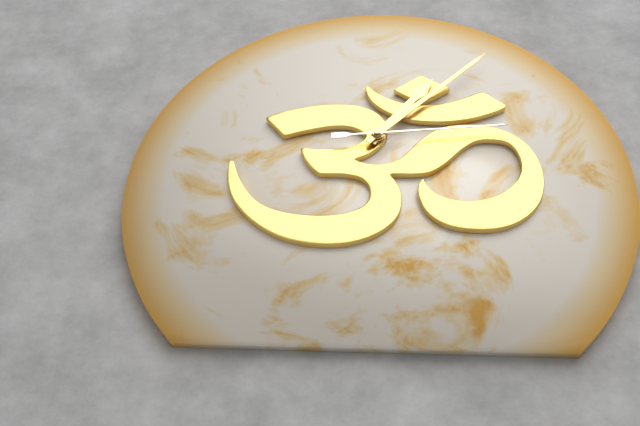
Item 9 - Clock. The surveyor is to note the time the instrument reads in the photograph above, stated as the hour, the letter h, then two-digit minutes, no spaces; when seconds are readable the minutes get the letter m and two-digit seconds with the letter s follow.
1h07m14s
